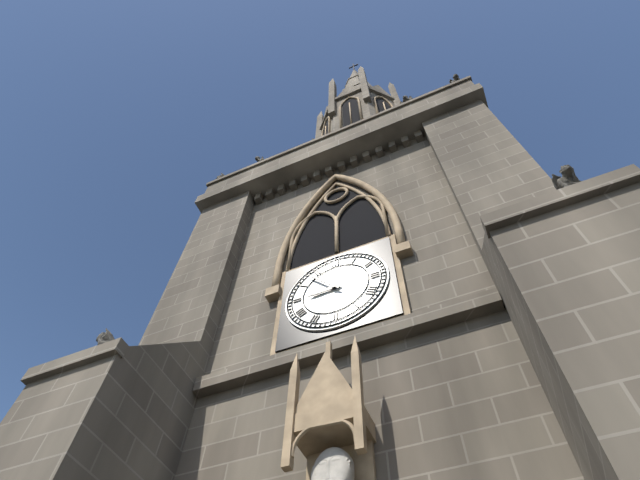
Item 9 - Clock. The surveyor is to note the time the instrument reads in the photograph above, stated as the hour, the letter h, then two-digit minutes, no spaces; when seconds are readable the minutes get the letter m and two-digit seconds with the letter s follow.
8h53
